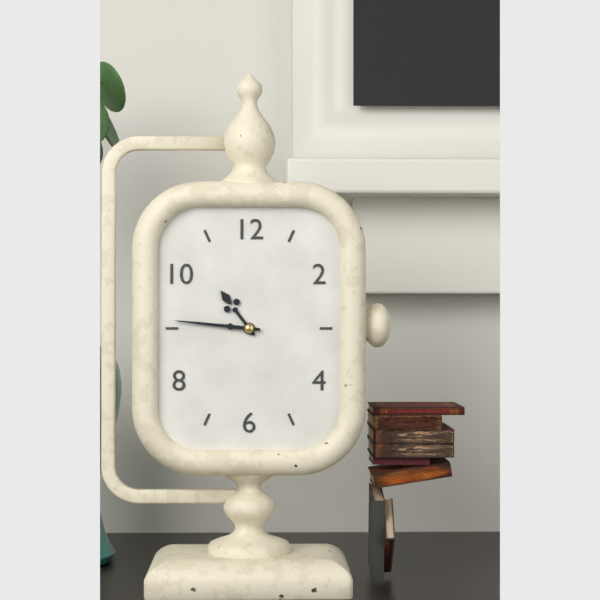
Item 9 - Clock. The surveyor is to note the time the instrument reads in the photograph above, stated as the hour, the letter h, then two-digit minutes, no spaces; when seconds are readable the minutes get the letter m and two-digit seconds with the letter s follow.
10h46
